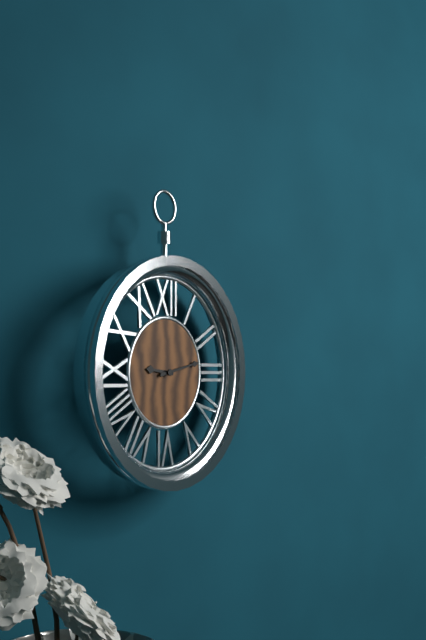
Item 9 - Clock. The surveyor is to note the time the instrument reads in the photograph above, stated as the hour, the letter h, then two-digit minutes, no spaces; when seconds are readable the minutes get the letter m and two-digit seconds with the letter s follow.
9h13
